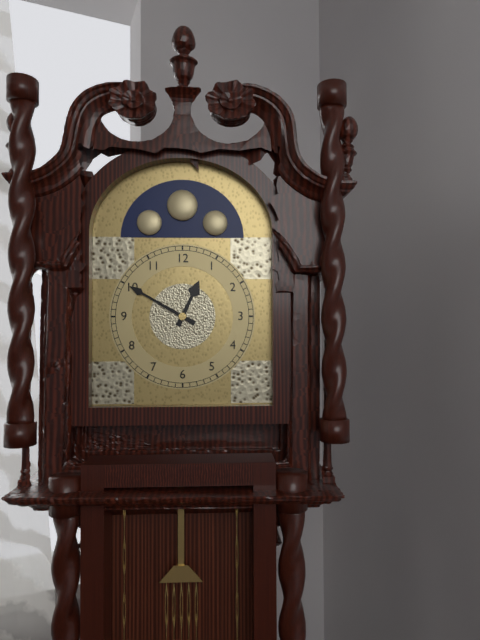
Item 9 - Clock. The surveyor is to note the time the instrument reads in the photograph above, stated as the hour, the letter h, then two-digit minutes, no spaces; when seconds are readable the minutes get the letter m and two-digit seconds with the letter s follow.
12h50
